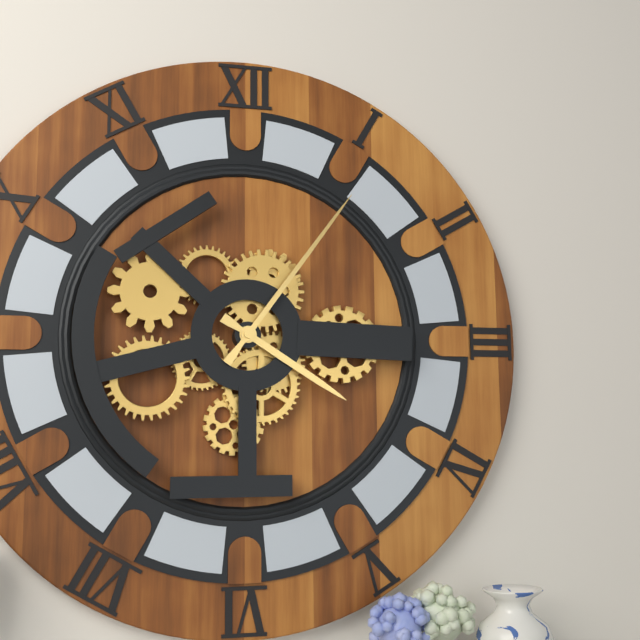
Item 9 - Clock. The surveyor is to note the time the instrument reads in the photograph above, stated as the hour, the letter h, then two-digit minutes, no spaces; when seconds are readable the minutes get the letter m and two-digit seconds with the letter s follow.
4h06
